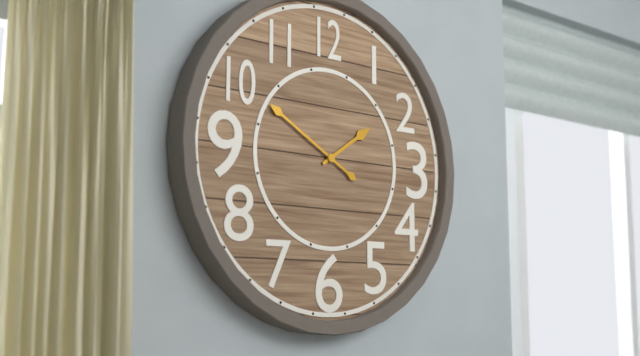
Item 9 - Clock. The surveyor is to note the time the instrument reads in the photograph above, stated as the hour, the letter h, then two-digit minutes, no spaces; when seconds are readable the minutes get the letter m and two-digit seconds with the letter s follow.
1h50
